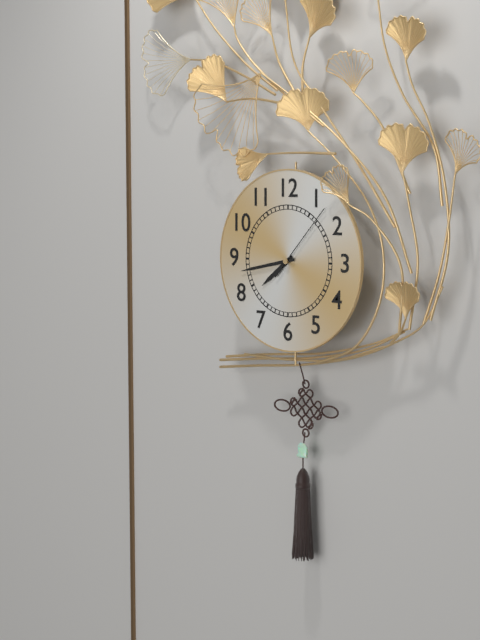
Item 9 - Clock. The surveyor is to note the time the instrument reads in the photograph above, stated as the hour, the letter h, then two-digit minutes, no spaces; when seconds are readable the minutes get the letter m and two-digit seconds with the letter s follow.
7h43m07s
